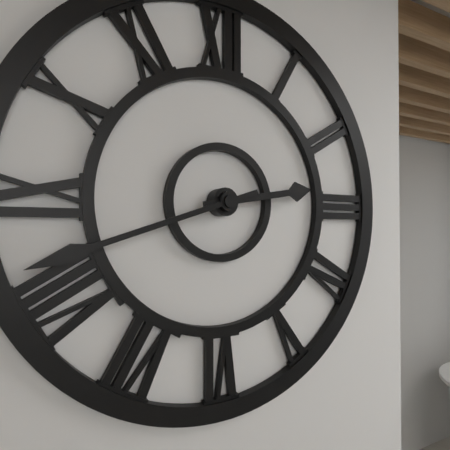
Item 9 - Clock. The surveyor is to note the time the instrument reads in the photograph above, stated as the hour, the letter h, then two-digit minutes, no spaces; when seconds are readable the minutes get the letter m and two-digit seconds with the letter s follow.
2h42
